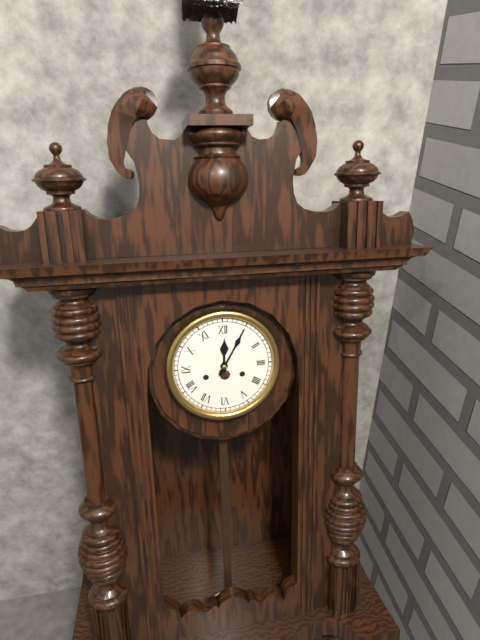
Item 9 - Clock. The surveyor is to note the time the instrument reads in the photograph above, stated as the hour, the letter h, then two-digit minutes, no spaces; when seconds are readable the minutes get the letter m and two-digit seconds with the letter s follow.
12h05
